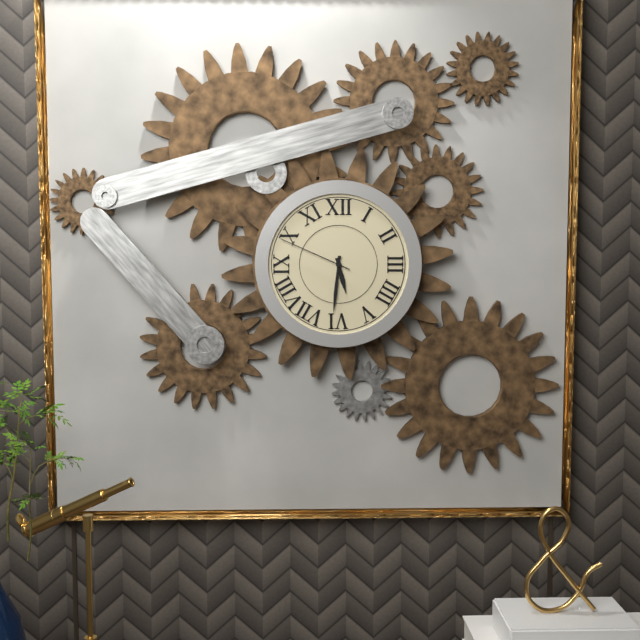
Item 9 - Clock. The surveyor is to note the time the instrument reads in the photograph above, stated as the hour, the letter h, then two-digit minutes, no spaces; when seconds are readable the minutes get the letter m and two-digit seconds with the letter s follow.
5h31m49s
